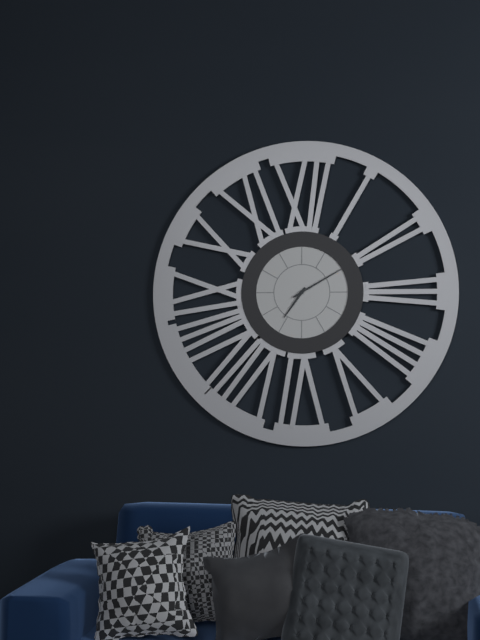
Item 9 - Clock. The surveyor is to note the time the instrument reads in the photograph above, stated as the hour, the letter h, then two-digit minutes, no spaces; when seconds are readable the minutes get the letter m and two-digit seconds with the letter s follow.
7h10
